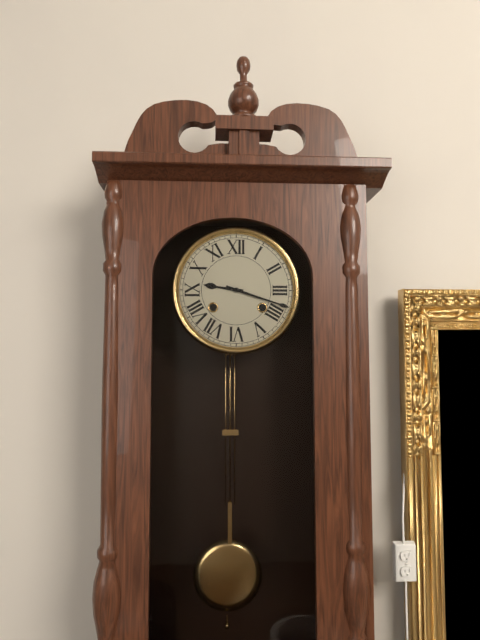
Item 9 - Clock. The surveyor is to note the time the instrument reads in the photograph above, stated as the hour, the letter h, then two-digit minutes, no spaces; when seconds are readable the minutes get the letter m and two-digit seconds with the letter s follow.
9h18
